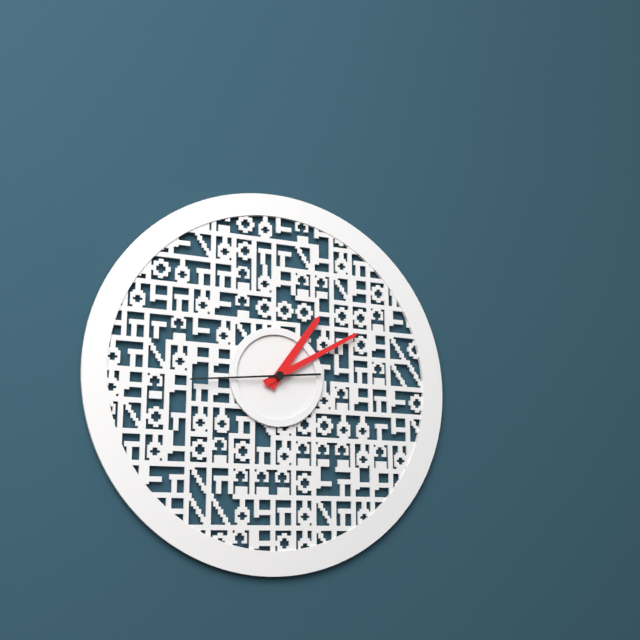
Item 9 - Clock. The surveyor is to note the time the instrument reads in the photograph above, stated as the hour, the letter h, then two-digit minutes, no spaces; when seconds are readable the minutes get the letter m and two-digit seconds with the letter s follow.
1h10m44s
